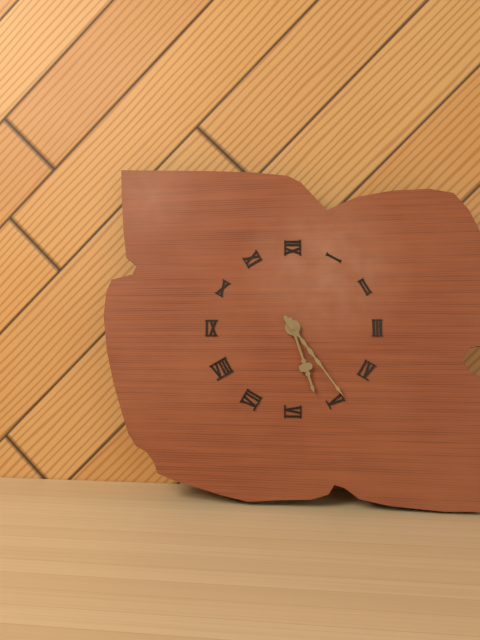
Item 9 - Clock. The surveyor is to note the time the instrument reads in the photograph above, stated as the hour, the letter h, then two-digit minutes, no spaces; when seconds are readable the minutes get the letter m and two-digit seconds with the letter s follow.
5h24
